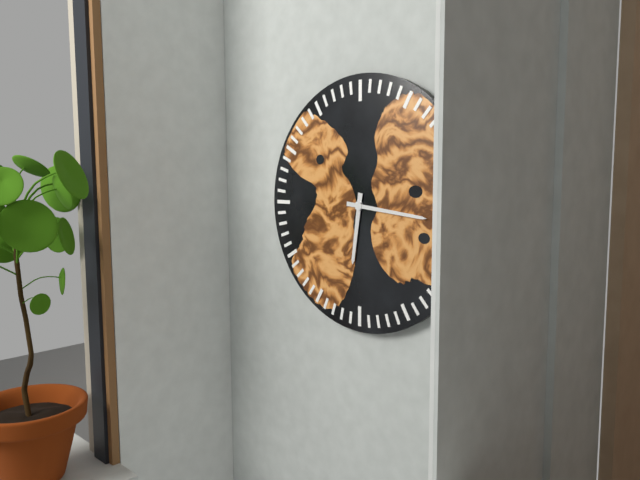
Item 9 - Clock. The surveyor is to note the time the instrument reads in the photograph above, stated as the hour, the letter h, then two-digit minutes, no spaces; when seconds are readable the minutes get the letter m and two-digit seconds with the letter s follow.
6h16
